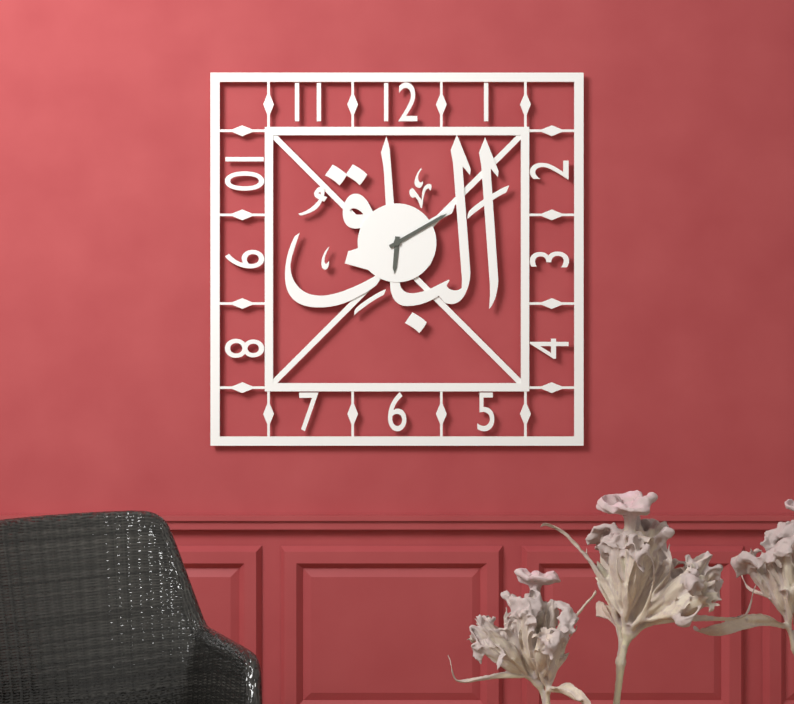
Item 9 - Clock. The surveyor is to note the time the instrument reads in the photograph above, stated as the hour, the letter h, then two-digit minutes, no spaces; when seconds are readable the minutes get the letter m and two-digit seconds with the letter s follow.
6h10
